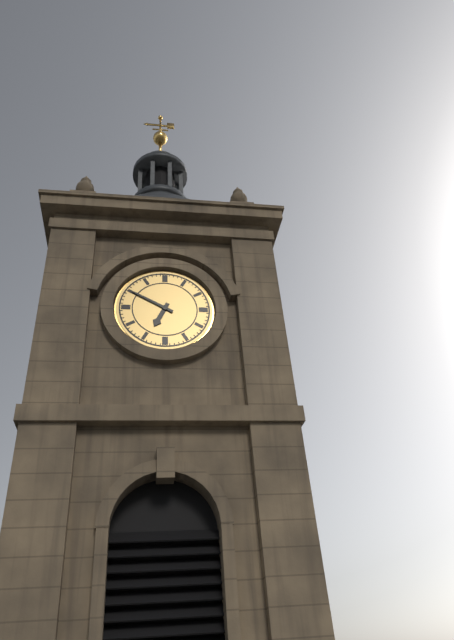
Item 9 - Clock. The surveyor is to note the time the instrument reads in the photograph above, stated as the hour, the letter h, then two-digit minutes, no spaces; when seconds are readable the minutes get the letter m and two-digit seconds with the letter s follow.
6h50
